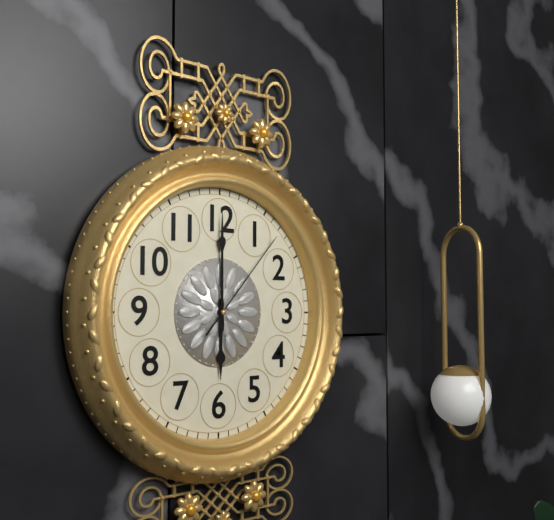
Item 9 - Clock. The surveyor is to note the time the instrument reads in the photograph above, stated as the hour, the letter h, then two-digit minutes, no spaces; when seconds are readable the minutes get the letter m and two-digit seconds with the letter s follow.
6h00m07s
